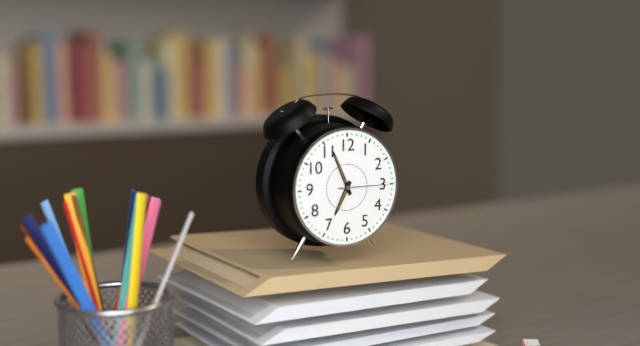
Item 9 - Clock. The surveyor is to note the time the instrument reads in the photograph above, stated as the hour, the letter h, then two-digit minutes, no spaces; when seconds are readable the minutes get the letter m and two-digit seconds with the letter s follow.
6h56m15s
